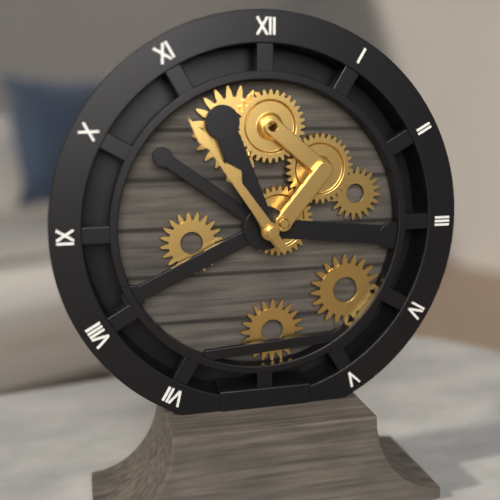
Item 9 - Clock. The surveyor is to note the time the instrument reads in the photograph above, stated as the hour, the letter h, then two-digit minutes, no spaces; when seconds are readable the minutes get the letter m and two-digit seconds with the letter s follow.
10h54
